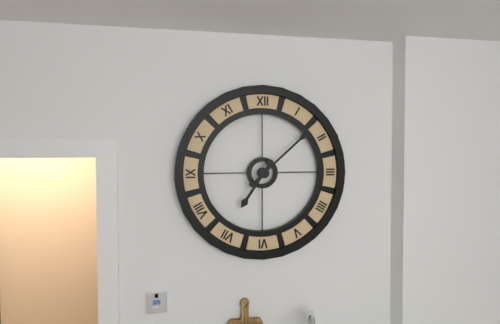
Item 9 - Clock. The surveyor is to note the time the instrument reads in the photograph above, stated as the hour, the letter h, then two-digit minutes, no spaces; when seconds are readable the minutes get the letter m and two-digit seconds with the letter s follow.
7h08
